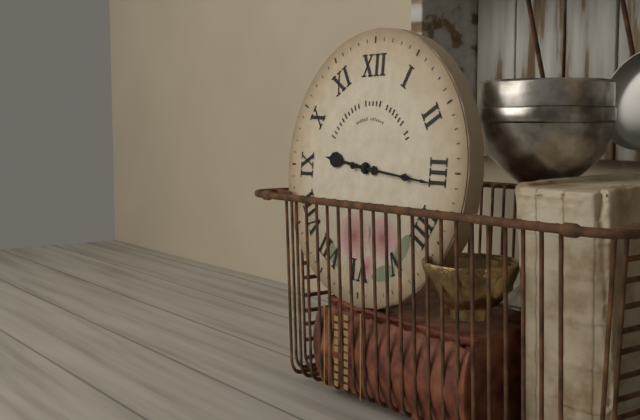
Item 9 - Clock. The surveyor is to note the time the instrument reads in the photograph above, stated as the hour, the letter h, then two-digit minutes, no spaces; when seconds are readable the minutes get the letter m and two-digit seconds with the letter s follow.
9h16
